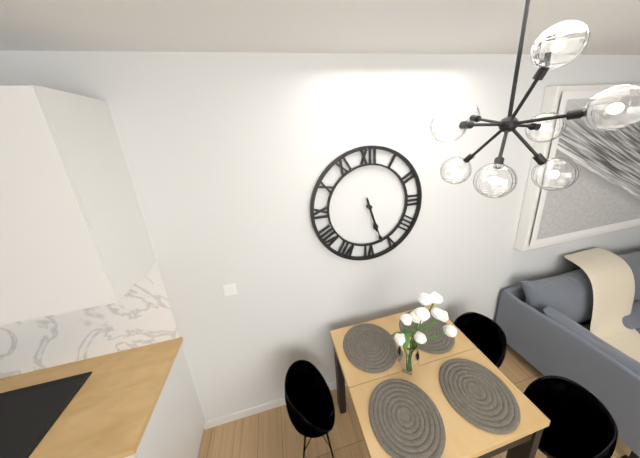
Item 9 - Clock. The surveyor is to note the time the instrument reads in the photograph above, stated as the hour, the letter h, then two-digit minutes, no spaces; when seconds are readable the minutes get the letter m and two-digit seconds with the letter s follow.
5h27
